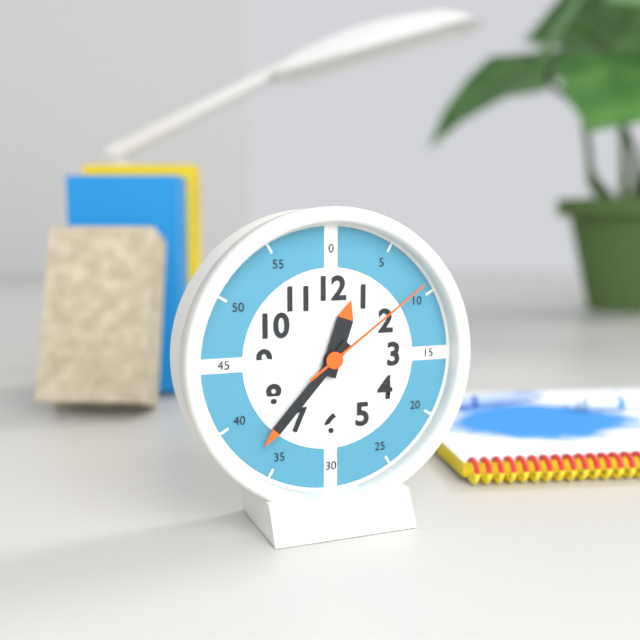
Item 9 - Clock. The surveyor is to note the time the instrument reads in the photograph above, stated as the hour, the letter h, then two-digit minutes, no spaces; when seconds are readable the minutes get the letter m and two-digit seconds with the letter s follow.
12h37m09s
